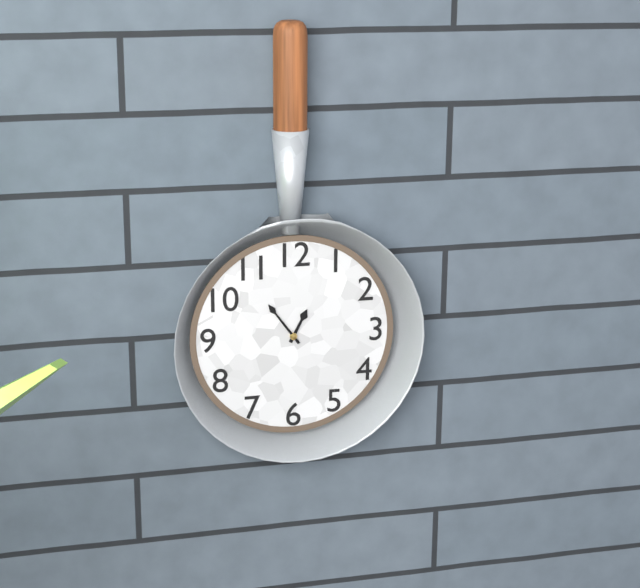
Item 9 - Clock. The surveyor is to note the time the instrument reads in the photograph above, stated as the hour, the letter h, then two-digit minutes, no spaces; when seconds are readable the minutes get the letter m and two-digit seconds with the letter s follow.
12h54
